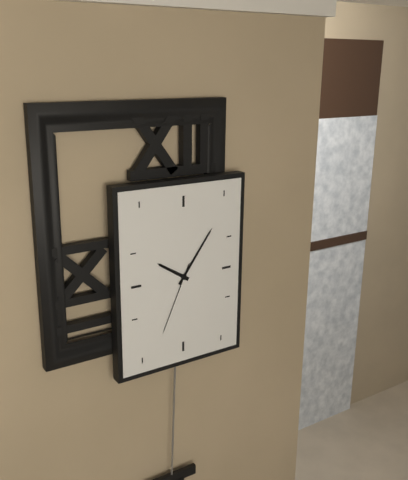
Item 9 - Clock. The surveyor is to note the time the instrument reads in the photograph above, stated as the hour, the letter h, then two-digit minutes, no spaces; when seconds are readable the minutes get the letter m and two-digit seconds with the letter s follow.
10h06m34s
